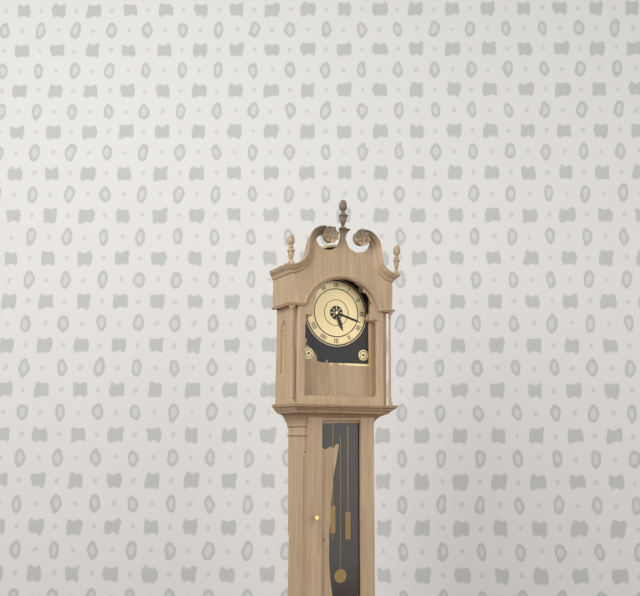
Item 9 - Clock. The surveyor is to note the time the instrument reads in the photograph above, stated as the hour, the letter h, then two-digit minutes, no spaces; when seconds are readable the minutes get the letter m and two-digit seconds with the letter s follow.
5h18
